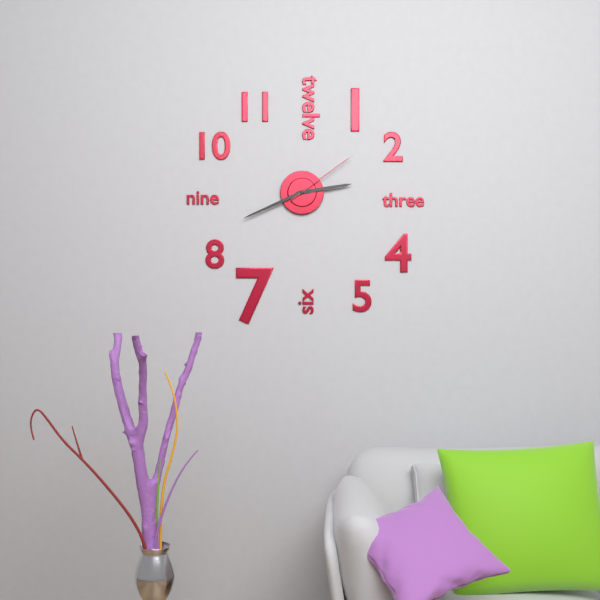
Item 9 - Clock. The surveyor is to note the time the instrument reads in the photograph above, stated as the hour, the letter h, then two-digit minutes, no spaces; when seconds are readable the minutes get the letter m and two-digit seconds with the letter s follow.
2h41m09s
